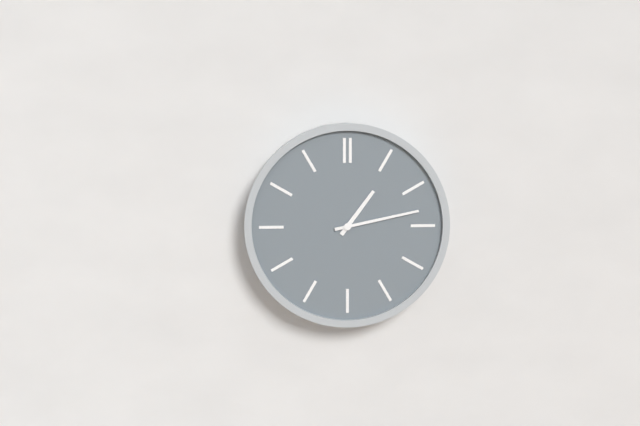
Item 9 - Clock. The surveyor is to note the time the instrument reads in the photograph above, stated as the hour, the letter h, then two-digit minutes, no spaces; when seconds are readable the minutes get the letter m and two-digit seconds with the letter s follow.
1h13
